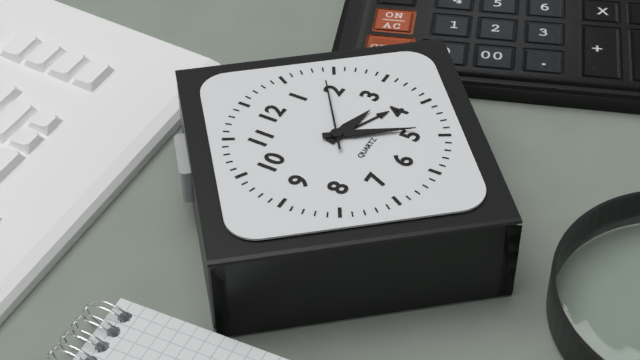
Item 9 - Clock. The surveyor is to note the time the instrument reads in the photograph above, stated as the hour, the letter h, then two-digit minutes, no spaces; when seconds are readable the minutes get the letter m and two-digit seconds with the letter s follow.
3h24m09s
